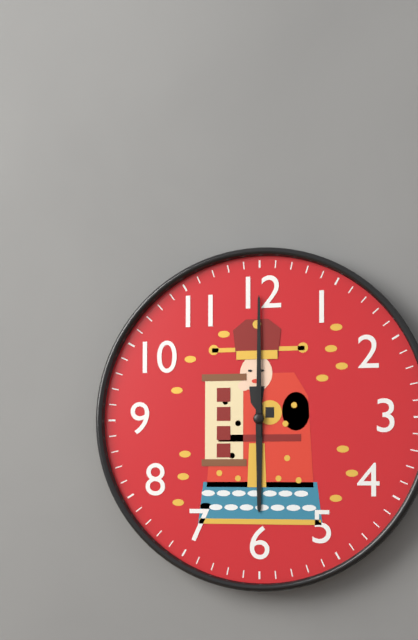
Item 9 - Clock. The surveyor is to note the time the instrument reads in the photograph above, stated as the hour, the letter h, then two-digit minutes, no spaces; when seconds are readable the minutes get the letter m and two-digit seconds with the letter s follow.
6h00
